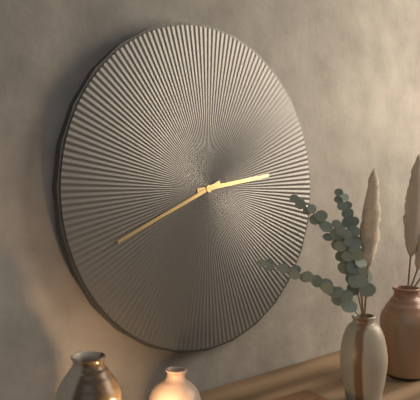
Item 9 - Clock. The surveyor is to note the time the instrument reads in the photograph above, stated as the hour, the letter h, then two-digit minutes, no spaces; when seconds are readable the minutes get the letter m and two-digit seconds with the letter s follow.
2h41
